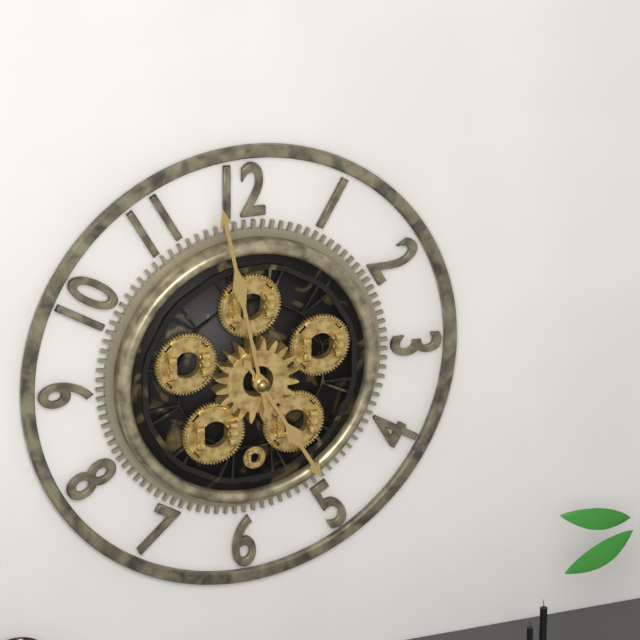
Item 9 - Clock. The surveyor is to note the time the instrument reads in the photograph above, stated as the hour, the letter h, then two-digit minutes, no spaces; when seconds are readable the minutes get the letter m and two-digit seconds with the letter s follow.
4h58
